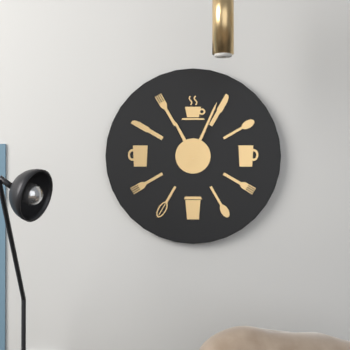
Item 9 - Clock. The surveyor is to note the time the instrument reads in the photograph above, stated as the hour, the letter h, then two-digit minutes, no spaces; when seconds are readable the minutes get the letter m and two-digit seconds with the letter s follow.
11h04
